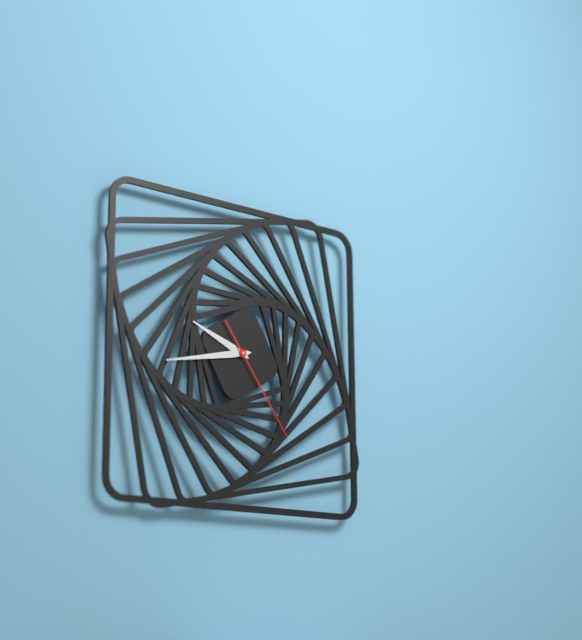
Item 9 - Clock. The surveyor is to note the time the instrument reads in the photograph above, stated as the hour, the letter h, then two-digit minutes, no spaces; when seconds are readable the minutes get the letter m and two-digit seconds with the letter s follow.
9h43m24s
